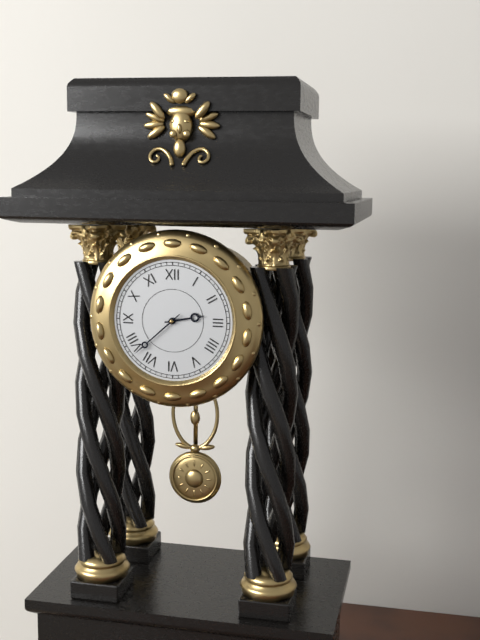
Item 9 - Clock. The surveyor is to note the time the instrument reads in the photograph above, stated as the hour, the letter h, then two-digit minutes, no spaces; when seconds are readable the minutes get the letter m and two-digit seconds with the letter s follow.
2h38
